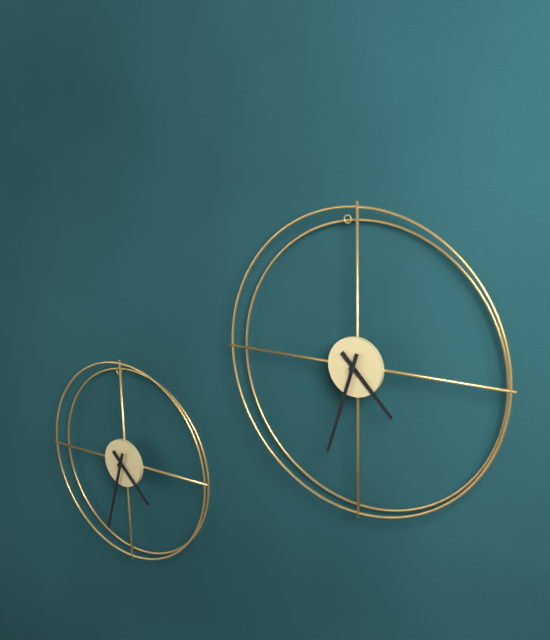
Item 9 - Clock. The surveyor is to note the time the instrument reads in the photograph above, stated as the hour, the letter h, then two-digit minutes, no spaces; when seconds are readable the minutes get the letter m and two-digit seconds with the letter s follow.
4h33
